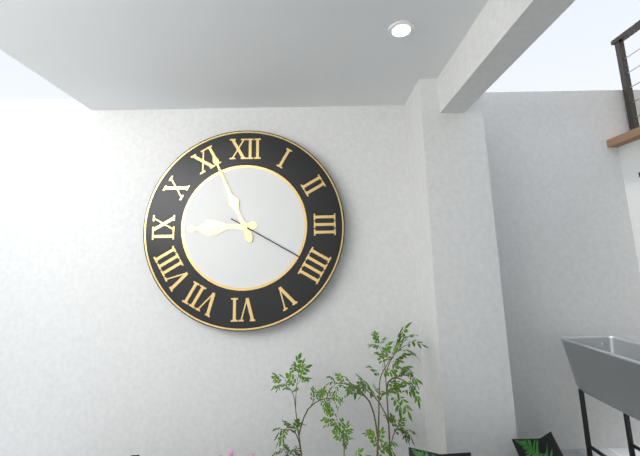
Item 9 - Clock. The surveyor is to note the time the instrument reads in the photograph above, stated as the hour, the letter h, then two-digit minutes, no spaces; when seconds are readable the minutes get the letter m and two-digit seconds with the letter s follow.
8h56m20s
